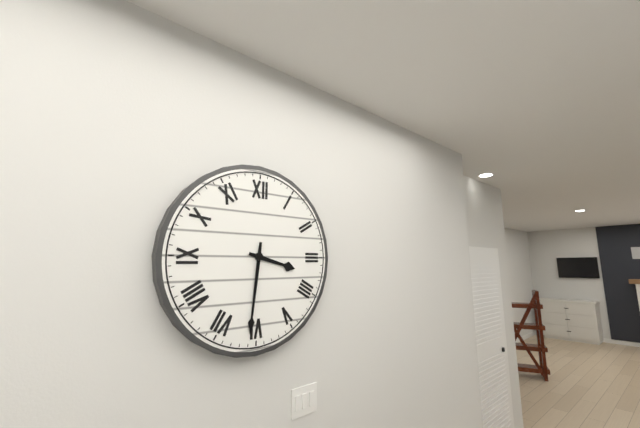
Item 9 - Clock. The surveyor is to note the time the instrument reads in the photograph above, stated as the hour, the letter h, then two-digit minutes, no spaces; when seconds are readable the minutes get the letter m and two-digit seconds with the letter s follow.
3h31
